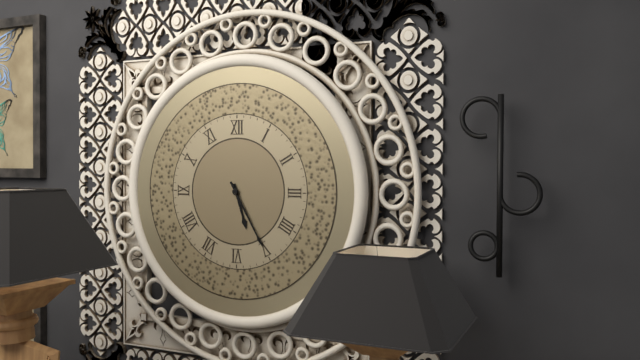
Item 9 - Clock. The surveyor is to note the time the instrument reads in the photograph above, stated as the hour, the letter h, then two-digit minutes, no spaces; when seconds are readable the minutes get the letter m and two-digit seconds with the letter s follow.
5h25
